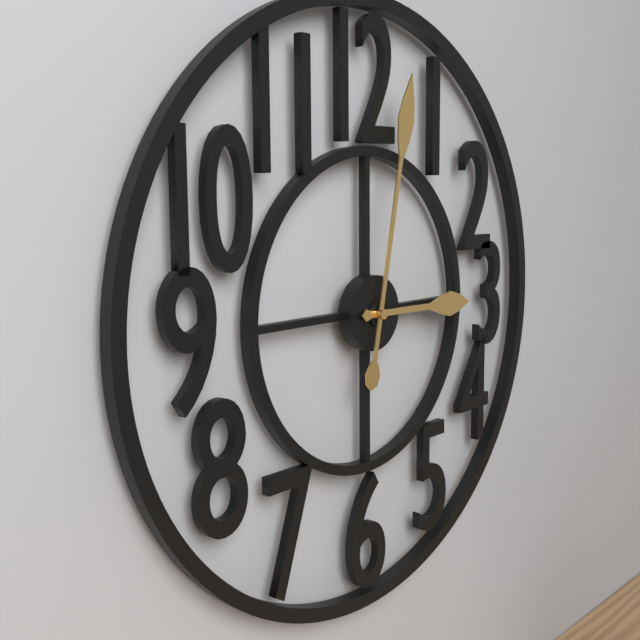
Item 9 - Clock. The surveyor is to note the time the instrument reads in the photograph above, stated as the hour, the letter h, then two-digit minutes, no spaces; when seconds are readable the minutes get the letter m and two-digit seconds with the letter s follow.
3h02
